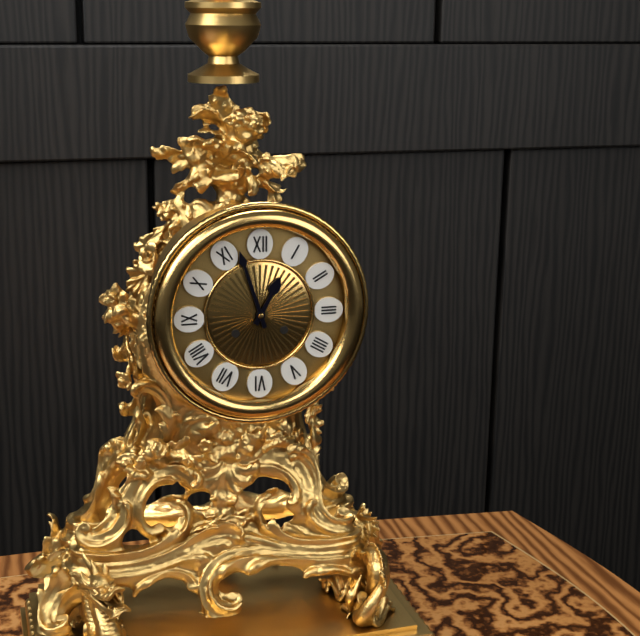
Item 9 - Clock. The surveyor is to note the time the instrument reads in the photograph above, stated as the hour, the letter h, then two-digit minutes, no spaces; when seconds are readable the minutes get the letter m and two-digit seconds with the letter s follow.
12h57
